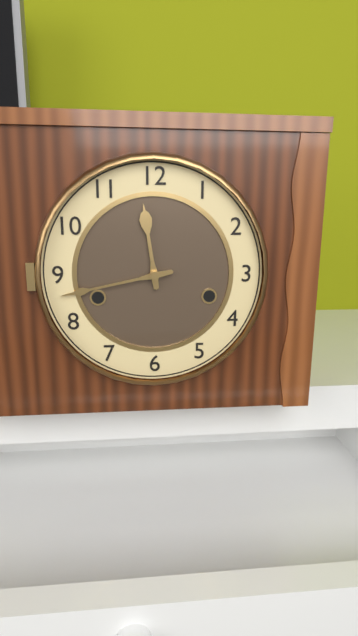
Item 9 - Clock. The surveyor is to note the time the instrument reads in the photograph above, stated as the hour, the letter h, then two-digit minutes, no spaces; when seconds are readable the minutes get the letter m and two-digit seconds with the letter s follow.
11h43
